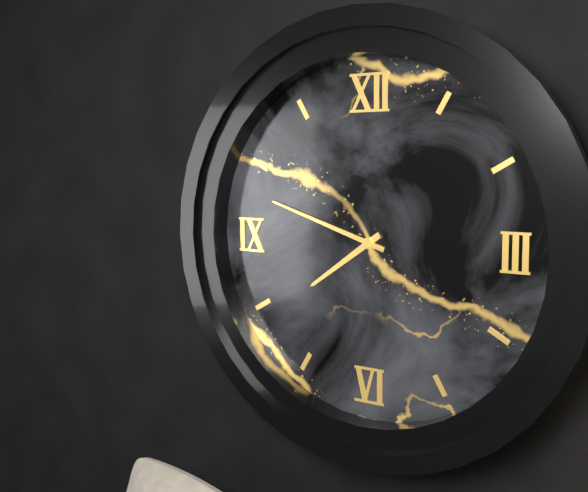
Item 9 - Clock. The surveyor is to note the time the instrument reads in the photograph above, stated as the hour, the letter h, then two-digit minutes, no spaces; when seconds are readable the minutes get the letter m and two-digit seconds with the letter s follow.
7h48
